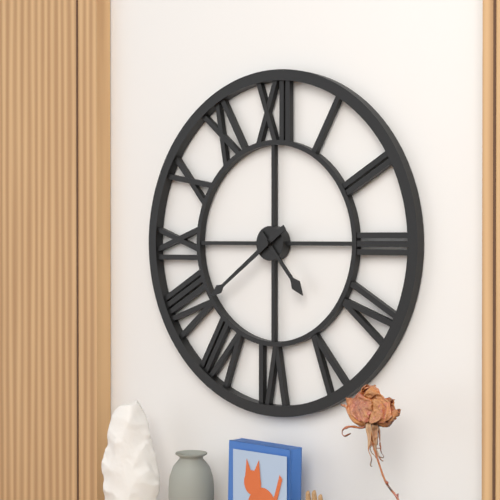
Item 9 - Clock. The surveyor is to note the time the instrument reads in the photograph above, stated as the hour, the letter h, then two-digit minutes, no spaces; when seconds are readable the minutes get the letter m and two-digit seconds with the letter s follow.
4h39
